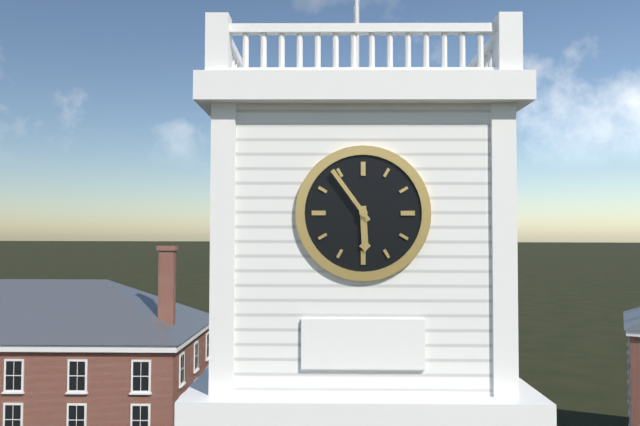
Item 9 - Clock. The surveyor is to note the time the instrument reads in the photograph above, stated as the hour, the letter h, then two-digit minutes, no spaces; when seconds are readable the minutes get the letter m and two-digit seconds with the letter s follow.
5h54
